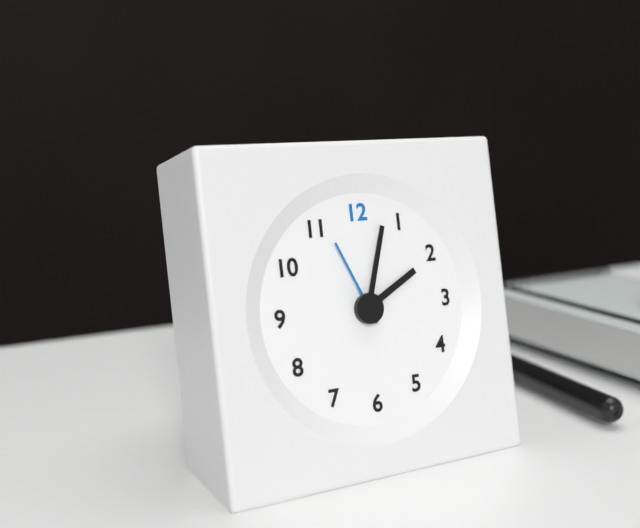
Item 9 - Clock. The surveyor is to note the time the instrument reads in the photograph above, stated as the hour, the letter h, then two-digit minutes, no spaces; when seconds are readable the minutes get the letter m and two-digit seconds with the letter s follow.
2h03m56s
